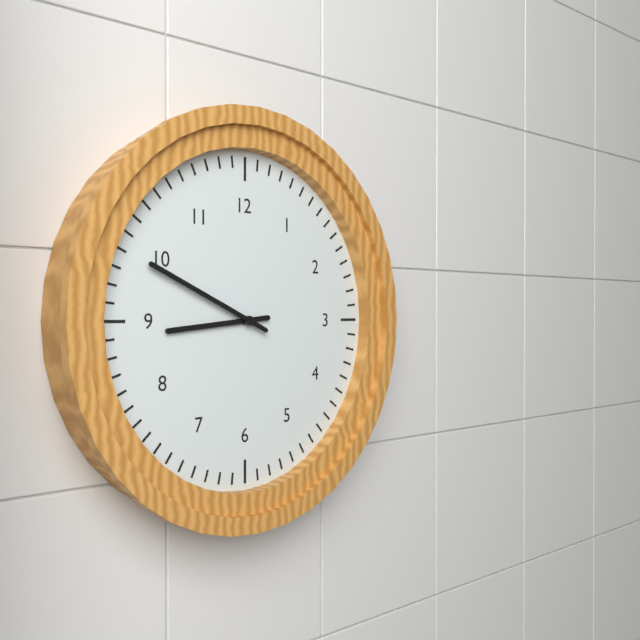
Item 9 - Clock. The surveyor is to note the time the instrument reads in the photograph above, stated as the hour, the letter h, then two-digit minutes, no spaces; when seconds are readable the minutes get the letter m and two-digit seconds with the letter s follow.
8h49
